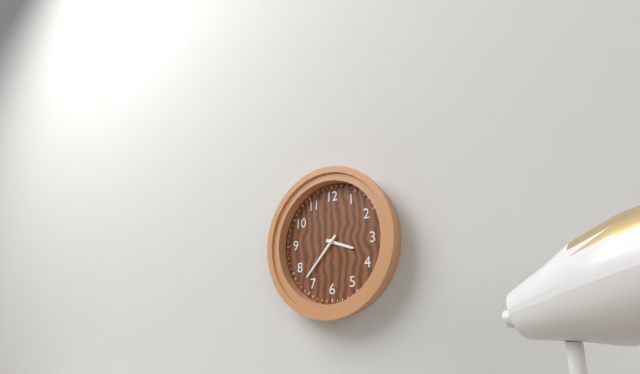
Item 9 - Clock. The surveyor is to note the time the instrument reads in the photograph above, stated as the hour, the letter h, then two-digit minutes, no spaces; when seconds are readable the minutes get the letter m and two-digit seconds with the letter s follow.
3h37
